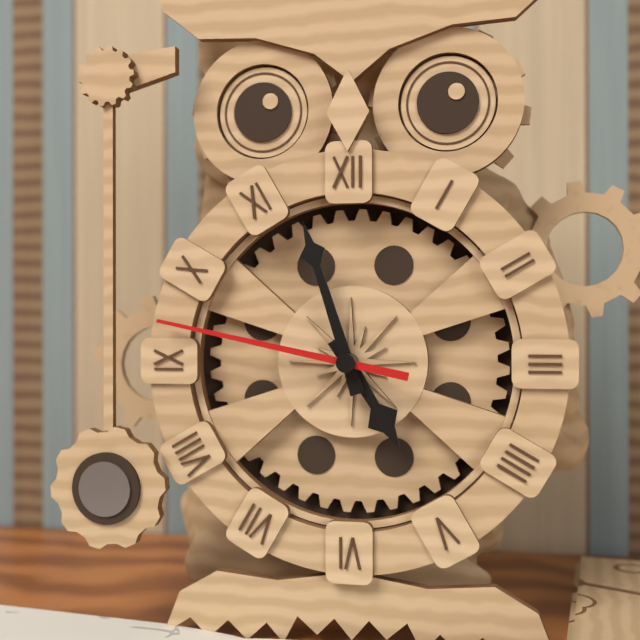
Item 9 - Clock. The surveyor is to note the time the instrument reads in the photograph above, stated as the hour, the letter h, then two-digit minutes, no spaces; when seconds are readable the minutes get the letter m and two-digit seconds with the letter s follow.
4h57m47s
